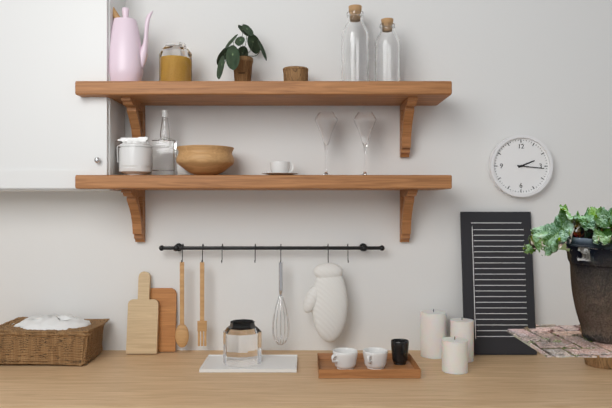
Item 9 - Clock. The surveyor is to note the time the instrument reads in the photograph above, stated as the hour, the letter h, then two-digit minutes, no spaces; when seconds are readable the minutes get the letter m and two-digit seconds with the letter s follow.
2h16
